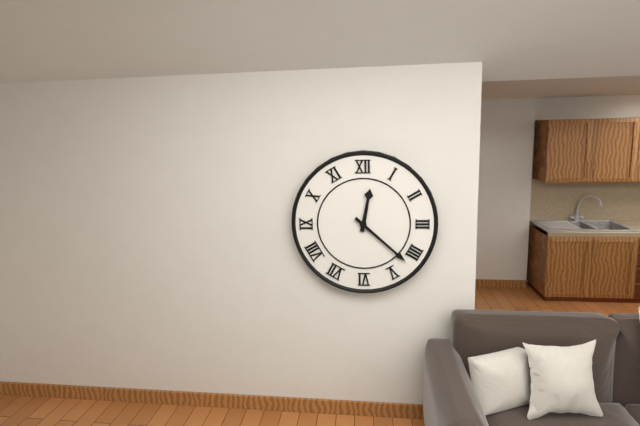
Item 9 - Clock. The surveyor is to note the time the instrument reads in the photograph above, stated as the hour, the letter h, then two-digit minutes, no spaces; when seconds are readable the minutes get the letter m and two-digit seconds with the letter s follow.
12h22
